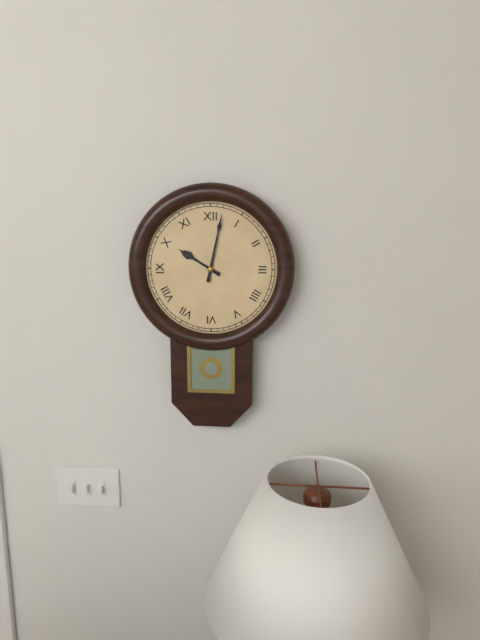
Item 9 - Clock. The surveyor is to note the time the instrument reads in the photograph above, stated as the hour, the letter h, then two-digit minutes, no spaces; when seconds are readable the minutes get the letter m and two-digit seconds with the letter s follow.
10h02
